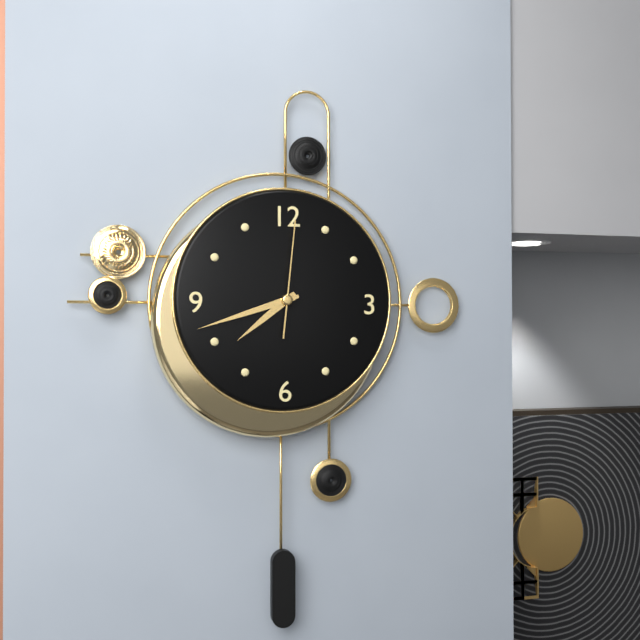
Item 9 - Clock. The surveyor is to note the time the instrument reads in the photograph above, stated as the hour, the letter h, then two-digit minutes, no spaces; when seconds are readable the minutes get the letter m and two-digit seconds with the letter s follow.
7h42m01s
